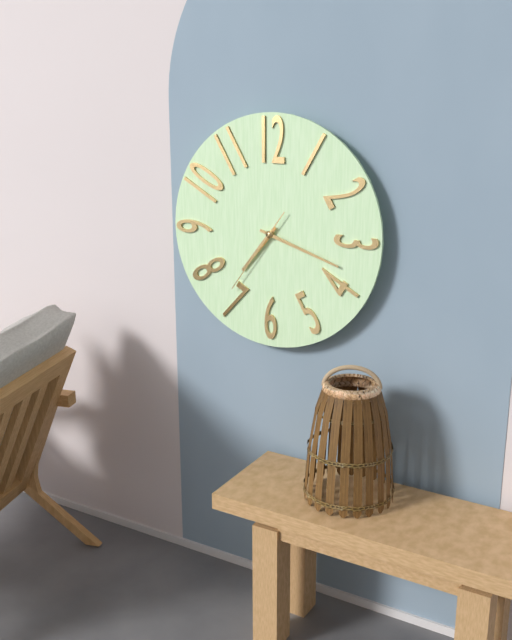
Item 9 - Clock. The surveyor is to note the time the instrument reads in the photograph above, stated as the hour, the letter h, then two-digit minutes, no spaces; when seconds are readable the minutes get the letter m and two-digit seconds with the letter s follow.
7h18m36s
